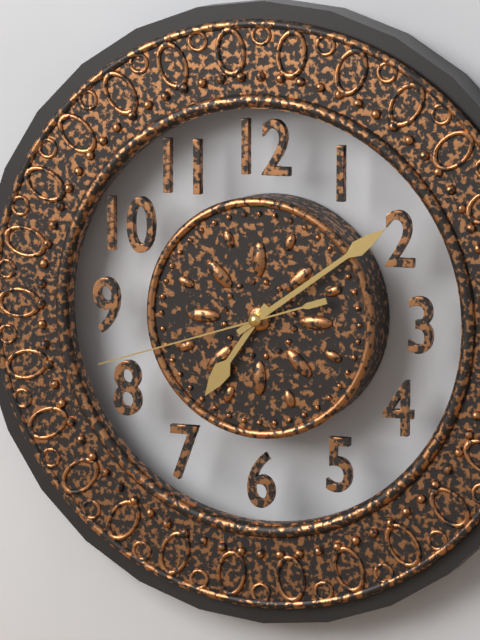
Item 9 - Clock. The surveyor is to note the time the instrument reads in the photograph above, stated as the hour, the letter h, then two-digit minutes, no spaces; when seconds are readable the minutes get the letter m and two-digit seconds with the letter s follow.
7h09m42s
